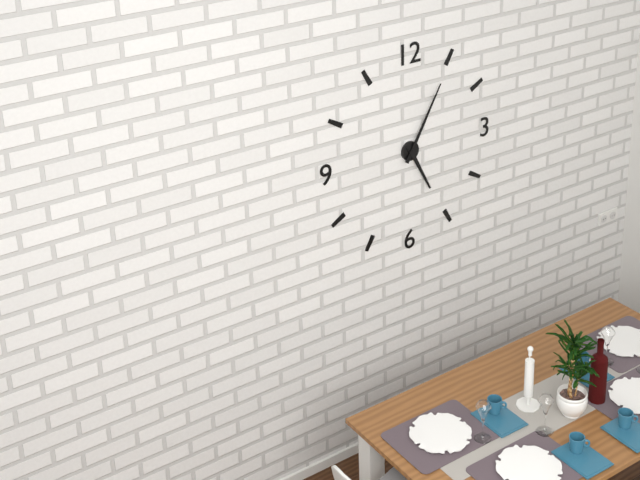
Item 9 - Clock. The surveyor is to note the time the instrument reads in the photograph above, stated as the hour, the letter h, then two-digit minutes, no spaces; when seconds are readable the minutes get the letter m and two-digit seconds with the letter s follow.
5h05
